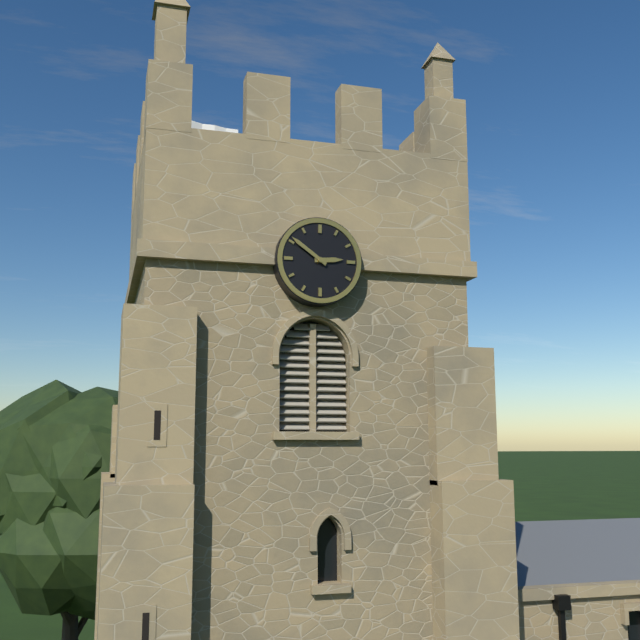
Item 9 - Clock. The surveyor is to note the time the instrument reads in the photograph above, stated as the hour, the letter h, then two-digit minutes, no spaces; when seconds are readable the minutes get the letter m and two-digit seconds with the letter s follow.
2h51
